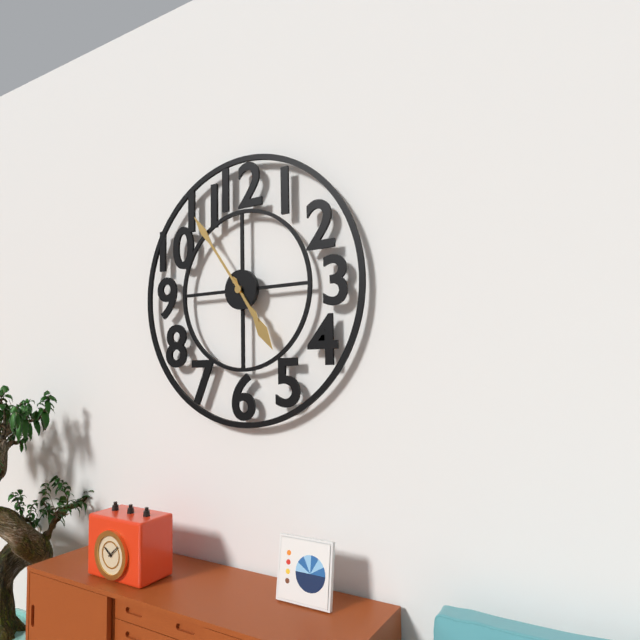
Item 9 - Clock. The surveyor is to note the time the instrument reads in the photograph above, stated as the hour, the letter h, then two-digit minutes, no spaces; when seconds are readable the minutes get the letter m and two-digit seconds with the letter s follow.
4h54
